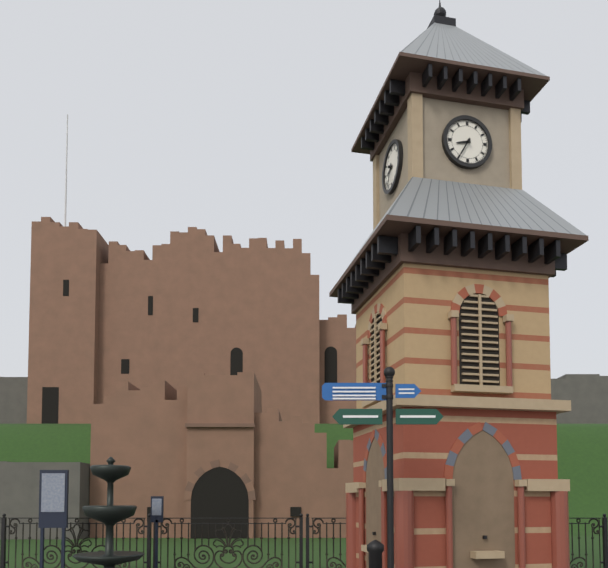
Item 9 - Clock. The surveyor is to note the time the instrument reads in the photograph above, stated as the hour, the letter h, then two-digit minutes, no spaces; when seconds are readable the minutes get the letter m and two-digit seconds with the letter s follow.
8h35
